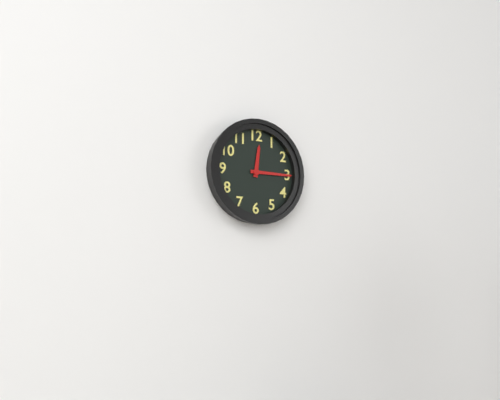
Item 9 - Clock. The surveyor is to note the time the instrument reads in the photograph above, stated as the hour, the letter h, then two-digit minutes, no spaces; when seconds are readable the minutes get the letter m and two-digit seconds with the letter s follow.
12h15
